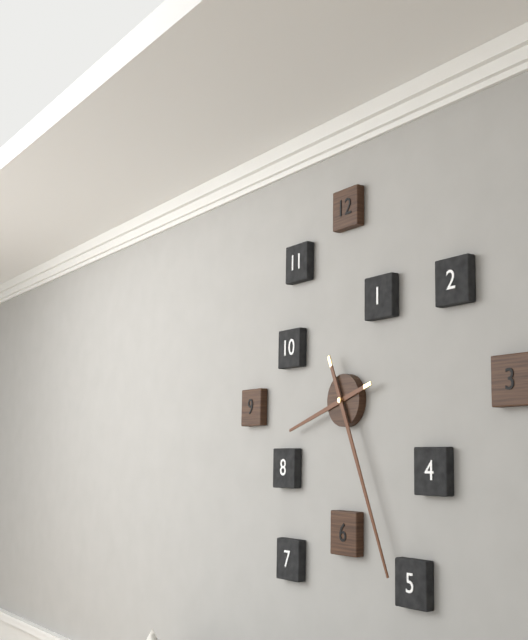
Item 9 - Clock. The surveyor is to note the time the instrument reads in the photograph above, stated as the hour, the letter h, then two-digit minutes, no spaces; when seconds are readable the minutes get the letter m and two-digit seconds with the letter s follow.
8h26
